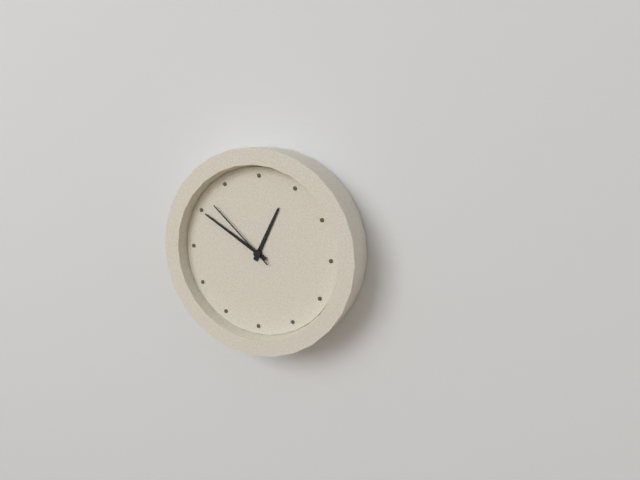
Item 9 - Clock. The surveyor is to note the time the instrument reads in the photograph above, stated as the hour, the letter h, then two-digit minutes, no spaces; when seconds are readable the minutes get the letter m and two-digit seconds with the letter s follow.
12h50m52s
